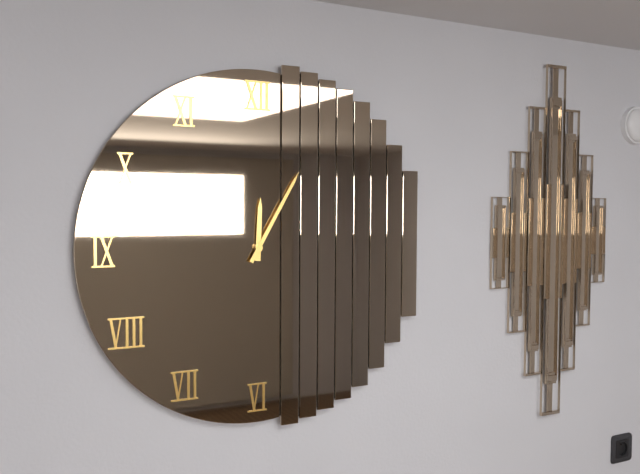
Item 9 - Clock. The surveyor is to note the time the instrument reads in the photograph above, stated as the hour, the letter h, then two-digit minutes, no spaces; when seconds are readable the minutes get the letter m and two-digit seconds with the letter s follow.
12h05
